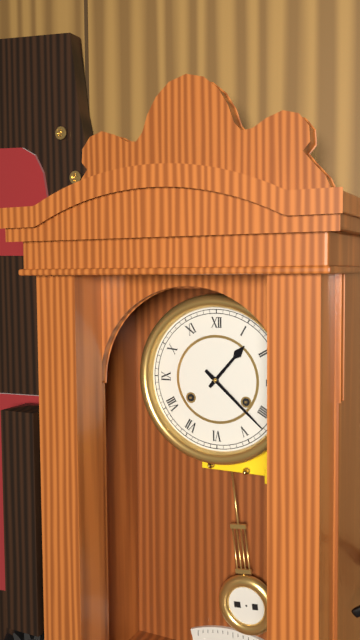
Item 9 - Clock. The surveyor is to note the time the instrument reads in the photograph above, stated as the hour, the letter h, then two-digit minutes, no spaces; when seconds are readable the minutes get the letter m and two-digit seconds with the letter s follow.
1h22
